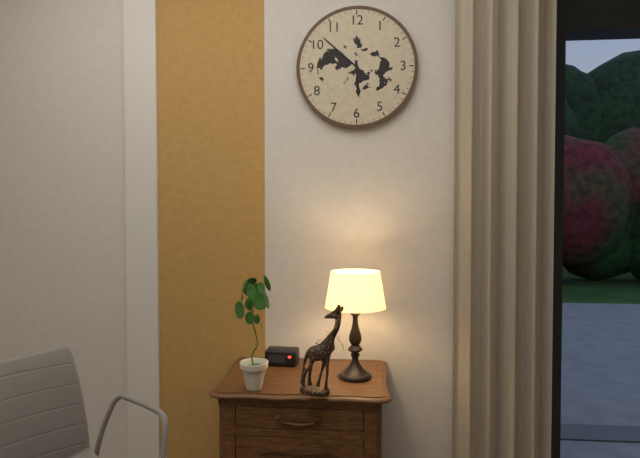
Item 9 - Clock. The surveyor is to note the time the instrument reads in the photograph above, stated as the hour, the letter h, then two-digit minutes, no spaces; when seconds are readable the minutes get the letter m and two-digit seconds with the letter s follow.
5h52
